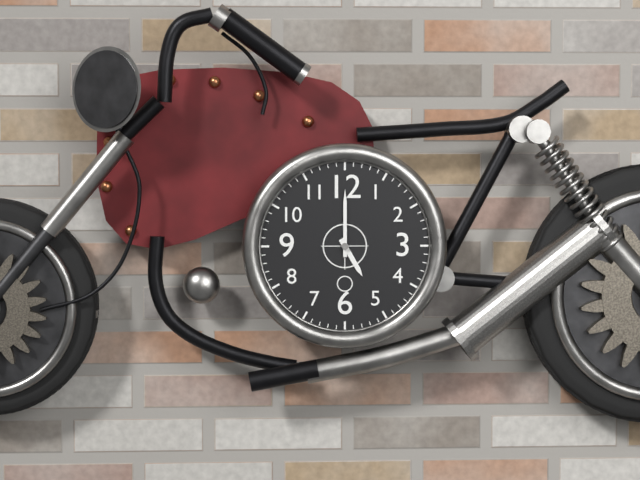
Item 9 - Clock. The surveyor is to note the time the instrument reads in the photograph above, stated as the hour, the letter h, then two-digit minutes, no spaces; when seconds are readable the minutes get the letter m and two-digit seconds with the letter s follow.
5h00
